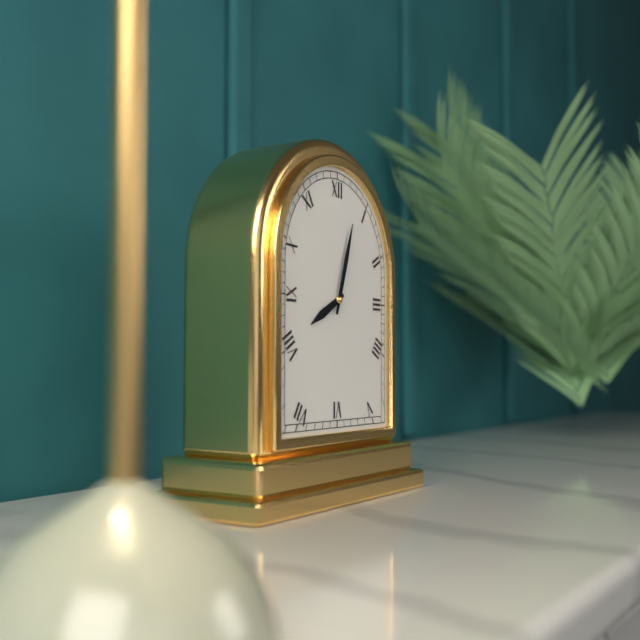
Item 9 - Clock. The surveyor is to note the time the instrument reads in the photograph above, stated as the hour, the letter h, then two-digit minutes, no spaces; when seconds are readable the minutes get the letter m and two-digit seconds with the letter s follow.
8h03
